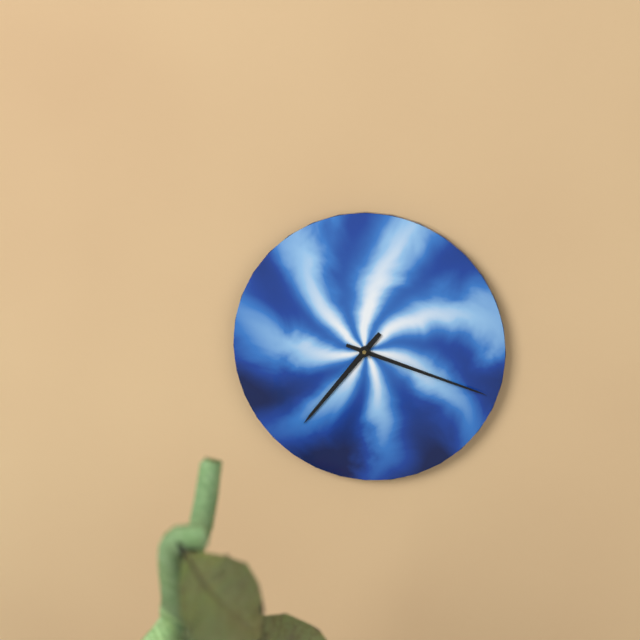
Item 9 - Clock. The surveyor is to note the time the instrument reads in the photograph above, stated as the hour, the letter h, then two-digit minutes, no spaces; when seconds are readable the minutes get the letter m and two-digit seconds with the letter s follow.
7h18
